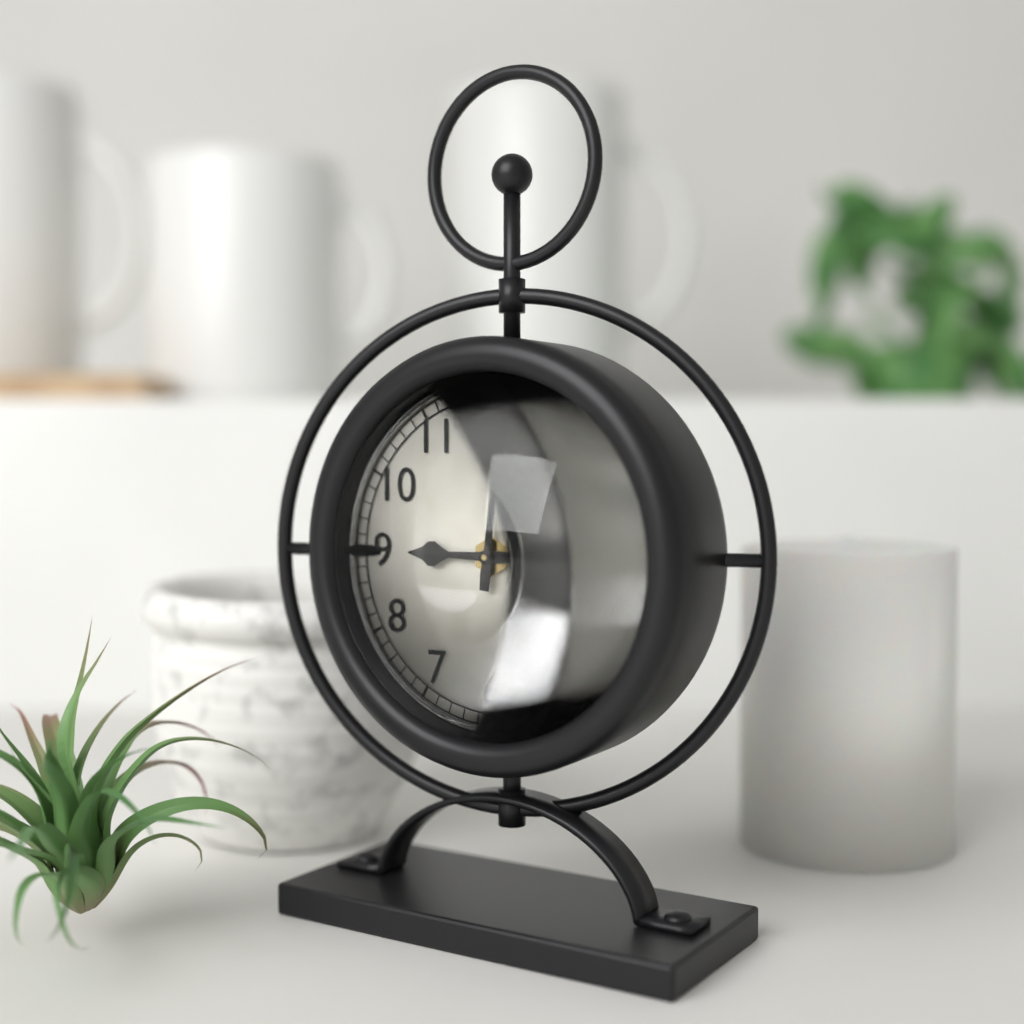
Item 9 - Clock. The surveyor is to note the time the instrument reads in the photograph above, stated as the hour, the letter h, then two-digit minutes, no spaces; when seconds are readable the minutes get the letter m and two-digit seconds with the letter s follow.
9h01
